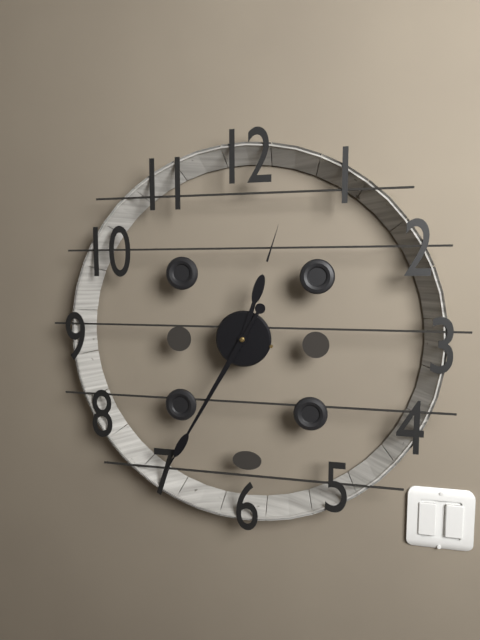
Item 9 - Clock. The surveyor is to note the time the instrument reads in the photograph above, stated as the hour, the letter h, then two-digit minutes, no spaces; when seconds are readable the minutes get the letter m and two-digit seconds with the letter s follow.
12h35
